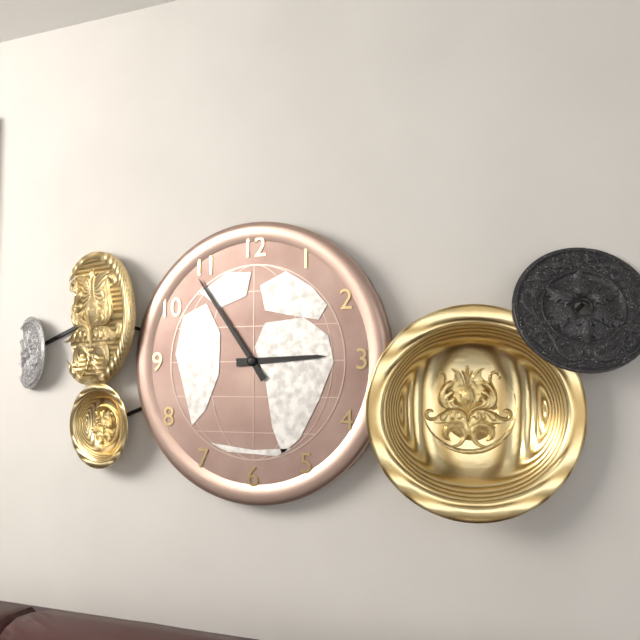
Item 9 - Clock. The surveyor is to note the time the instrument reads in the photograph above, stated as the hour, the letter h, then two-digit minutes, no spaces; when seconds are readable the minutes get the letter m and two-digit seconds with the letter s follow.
2h54
